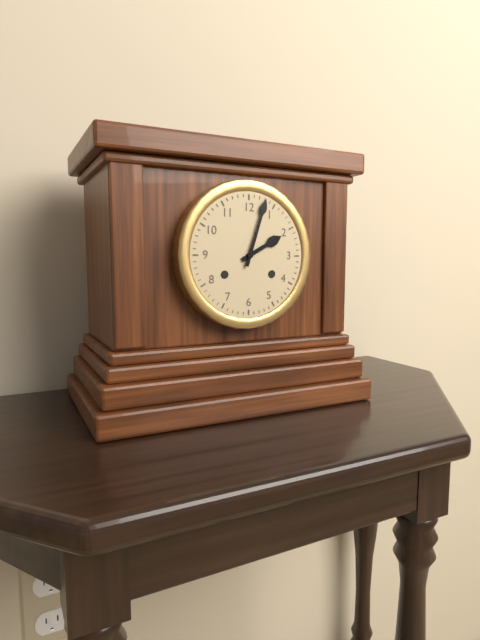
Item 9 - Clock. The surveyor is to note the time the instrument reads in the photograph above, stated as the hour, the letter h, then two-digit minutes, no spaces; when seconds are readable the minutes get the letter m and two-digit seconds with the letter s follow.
2h03
